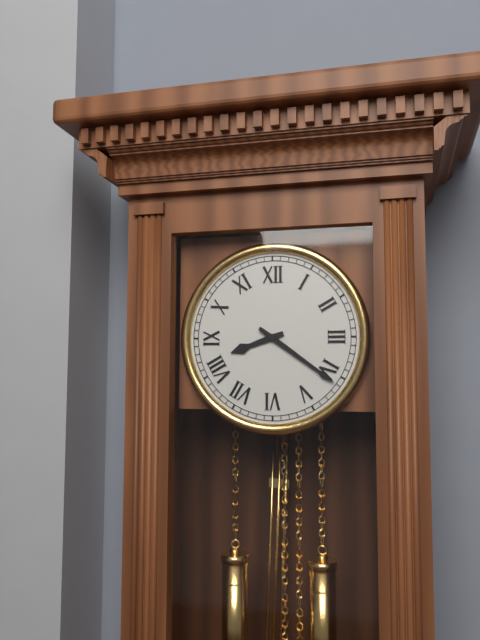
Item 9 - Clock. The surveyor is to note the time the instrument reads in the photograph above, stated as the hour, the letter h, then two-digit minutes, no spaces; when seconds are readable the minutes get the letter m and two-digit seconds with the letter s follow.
8h21
